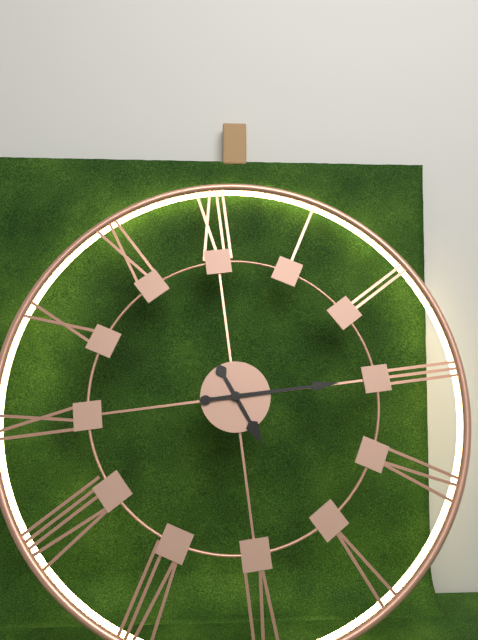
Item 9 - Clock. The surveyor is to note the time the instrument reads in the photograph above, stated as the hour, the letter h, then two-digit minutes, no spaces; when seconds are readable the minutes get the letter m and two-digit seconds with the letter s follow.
5h15
